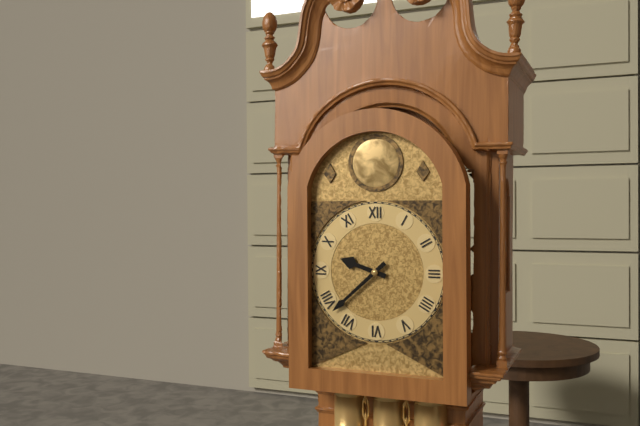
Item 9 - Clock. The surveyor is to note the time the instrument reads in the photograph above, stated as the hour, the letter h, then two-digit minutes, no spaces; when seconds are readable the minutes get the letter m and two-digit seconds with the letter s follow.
9h38
